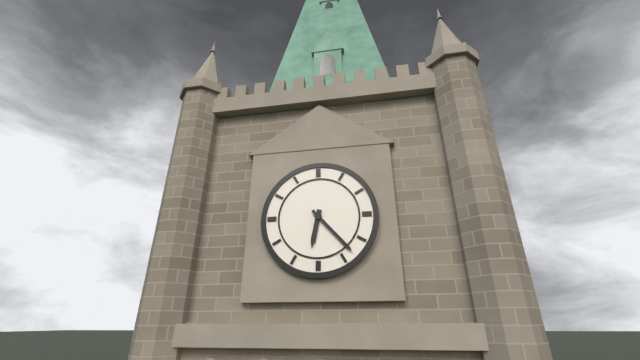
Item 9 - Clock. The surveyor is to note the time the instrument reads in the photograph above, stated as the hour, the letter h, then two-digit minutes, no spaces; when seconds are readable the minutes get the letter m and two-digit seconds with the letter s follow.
6h23
